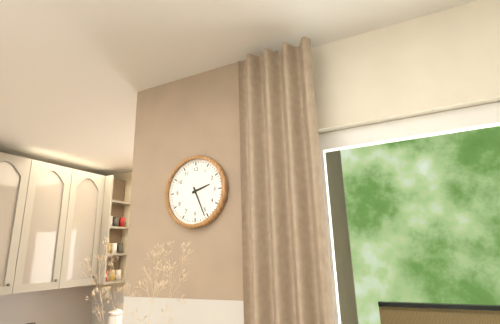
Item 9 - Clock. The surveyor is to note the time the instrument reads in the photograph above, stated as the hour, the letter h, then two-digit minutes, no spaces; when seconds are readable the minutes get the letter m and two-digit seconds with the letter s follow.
2h26
